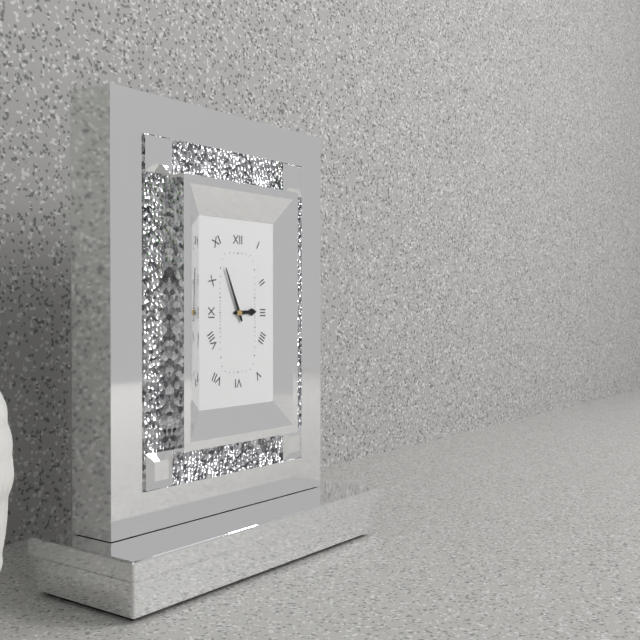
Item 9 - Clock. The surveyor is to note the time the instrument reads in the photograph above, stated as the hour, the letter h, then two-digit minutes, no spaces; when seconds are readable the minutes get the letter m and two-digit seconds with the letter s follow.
2h56
